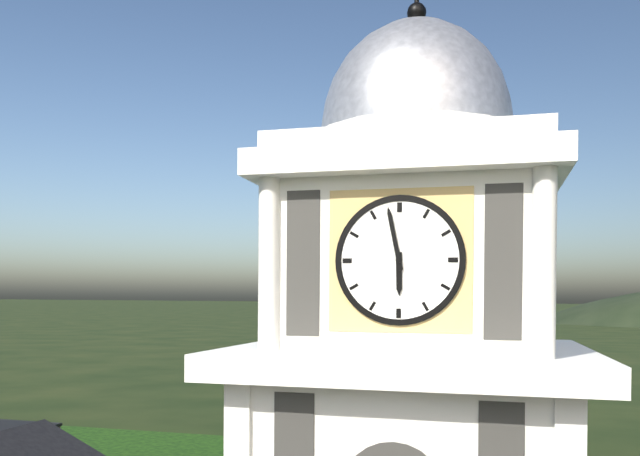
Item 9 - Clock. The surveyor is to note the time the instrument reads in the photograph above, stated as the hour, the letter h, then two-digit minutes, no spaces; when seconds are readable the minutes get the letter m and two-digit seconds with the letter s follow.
5h58
